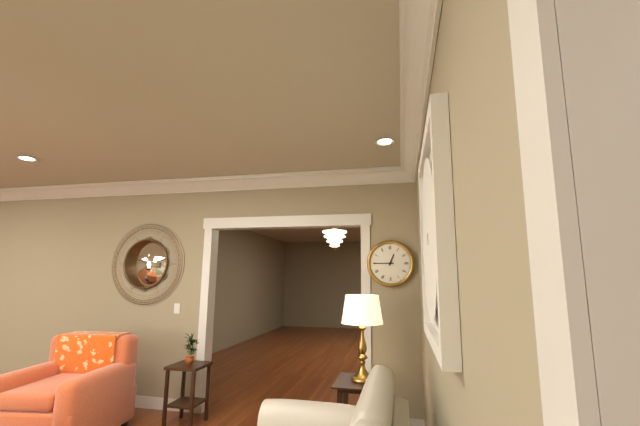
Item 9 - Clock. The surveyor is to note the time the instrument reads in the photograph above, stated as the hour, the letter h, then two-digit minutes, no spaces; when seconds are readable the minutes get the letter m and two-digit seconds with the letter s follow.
12h45
